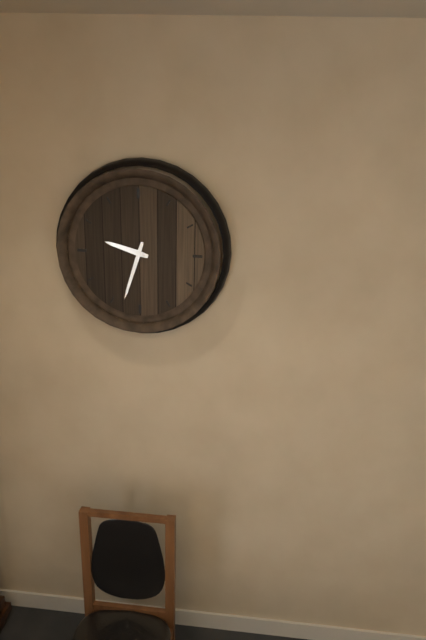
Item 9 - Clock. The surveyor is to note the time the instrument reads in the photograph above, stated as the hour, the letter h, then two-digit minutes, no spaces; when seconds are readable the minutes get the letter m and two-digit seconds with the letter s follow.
9h33
